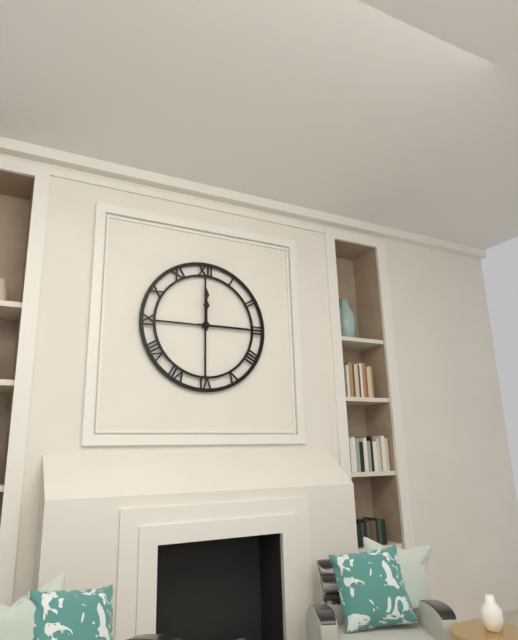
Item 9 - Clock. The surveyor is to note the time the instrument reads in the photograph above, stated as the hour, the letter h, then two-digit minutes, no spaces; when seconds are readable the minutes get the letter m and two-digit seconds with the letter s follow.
12h00m15s
